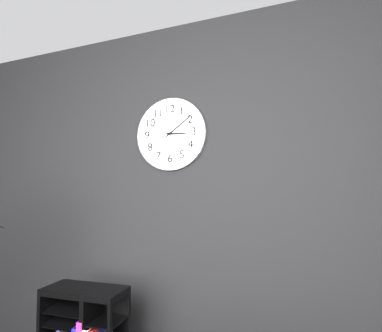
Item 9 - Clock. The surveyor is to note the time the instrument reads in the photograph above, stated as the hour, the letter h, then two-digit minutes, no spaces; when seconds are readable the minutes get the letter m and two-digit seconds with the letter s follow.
3h09
